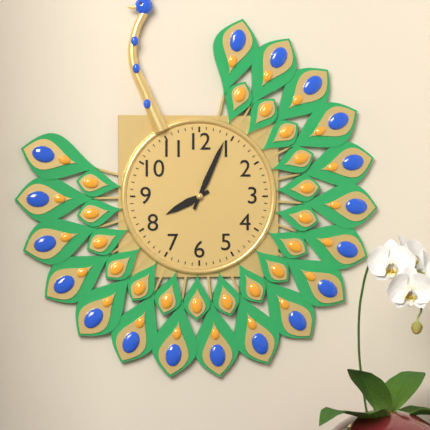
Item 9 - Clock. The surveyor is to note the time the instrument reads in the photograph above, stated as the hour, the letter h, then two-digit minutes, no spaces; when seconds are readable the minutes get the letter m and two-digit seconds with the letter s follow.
8h04
